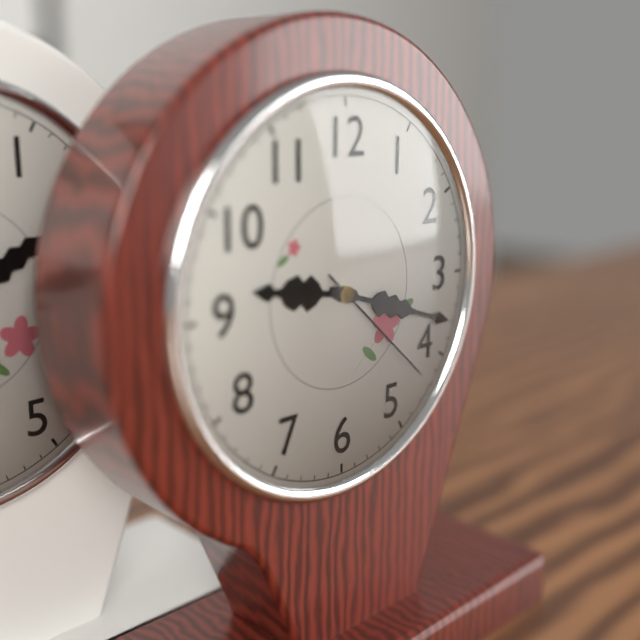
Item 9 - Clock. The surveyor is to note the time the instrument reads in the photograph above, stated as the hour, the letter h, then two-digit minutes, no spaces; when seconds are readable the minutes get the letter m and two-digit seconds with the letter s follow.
9h18m22s
